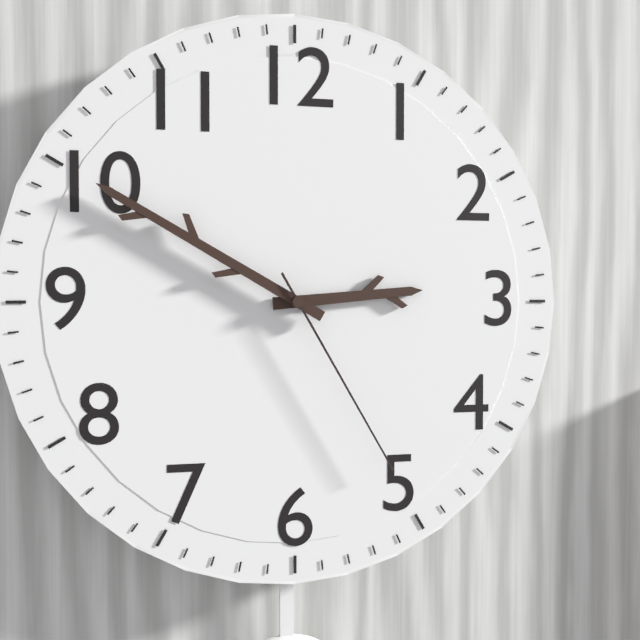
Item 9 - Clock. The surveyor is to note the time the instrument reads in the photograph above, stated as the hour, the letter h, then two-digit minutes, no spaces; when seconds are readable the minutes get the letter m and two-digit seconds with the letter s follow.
2h50m25s
